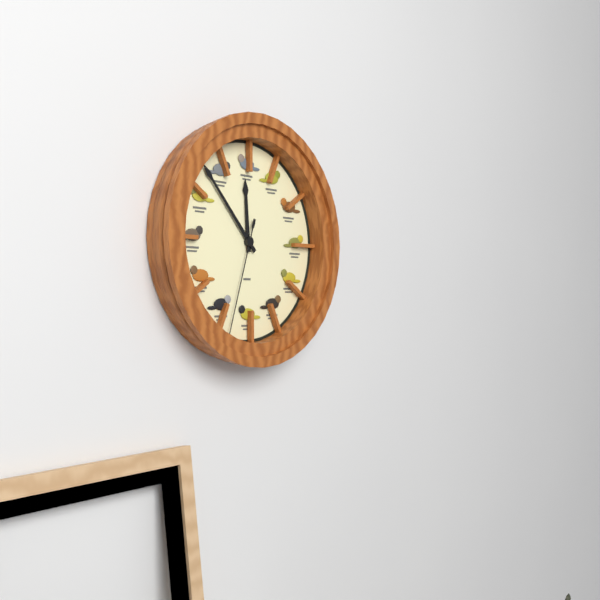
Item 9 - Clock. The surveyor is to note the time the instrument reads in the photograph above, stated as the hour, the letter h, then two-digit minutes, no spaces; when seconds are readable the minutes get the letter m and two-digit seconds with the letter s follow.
11h53m33s
